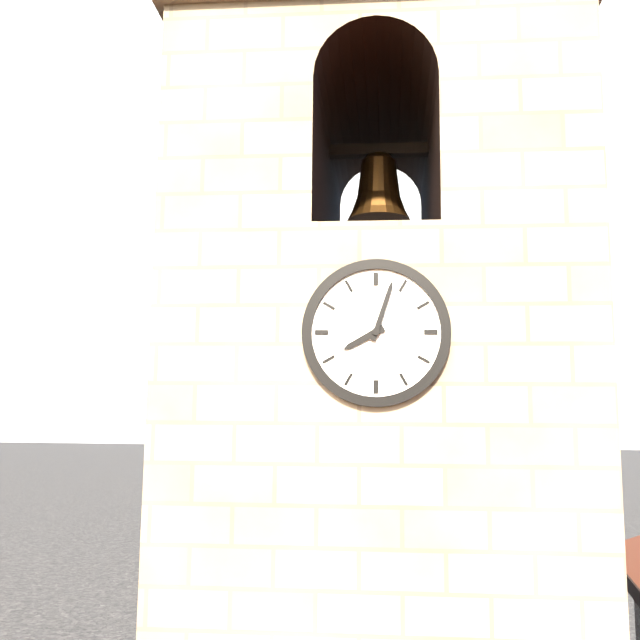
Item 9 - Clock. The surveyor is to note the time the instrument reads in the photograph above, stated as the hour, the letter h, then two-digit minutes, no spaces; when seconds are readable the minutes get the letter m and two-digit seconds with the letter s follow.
8h03
